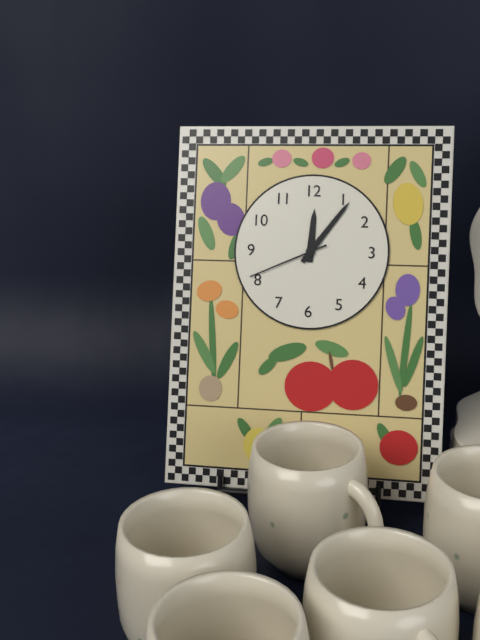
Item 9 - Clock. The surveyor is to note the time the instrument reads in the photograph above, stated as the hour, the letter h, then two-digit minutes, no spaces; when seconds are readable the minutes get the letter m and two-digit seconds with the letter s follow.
12h06m41s
